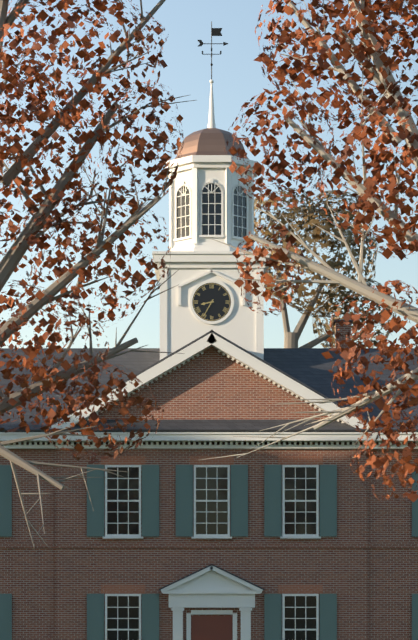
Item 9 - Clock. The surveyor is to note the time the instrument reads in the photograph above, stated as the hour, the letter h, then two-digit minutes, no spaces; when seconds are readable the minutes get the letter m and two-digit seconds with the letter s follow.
8h35
